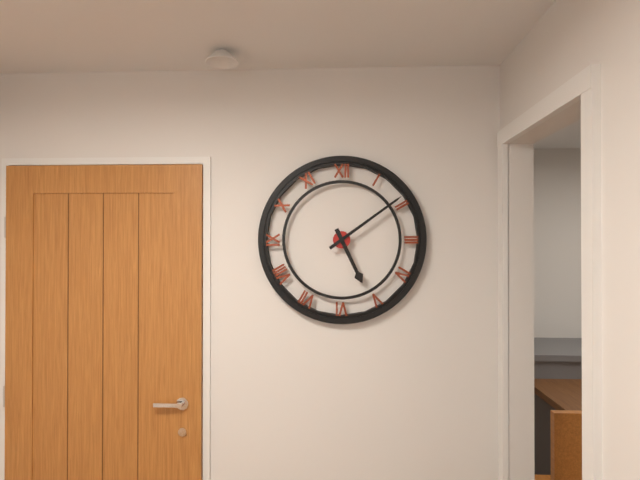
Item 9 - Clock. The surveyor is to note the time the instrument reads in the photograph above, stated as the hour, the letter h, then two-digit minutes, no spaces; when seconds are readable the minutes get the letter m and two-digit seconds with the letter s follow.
5h09
